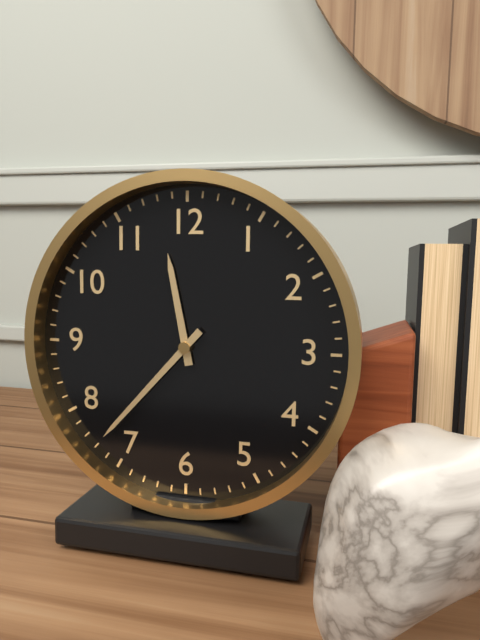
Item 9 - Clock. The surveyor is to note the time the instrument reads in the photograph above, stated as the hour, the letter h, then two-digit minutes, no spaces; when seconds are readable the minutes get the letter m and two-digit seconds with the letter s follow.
11h37
